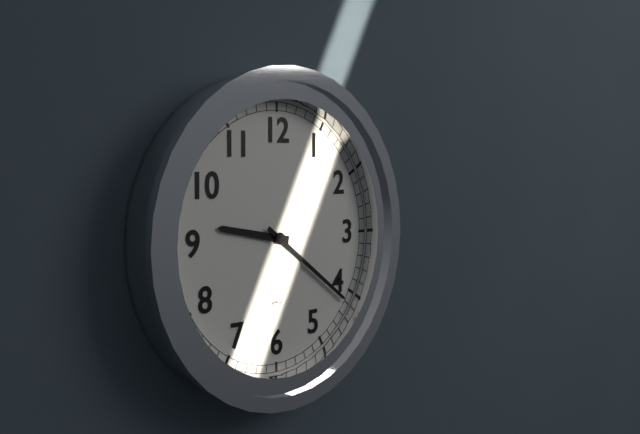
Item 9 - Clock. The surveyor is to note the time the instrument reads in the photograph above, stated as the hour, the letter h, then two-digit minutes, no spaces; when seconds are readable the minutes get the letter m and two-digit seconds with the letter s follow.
9h21
